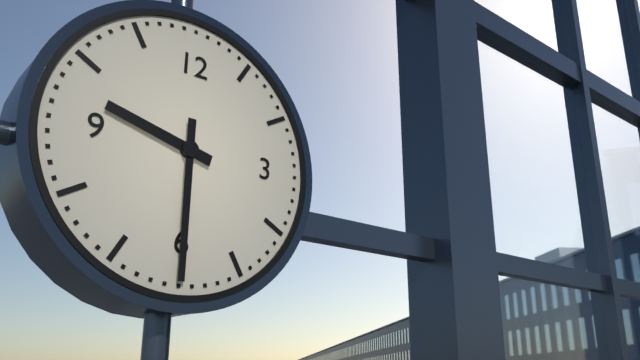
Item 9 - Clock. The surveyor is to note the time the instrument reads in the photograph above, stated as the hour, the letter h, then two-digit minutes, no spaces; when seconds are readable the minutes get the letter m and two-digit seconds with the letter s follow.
9h30
